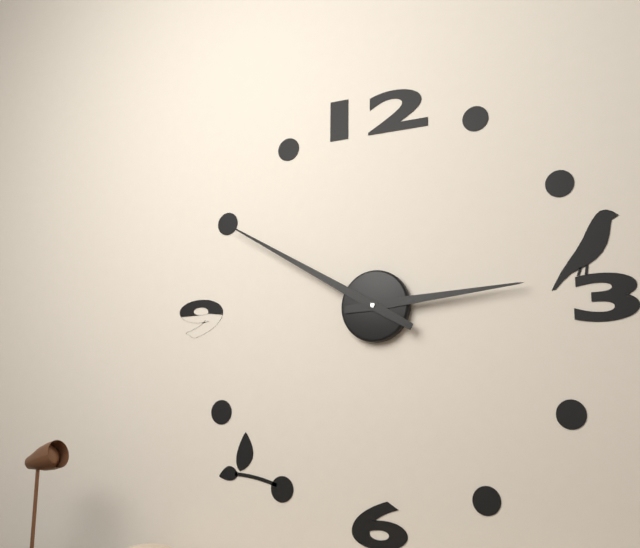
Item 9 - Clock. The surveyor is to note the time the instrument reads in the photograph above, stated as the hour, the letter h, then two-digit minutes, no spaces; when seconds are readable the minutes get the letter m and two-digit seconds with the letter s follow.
2h50
